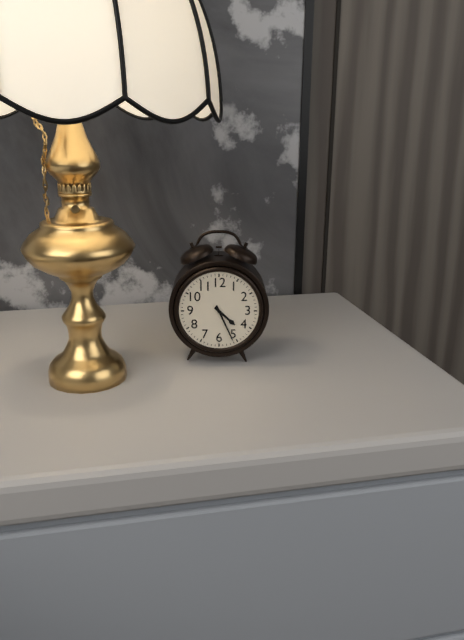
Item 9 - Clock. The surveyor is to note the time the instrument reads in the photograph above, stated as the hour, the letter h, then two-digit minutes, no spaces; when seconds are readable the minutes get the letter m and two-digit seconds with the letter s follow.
4h26
